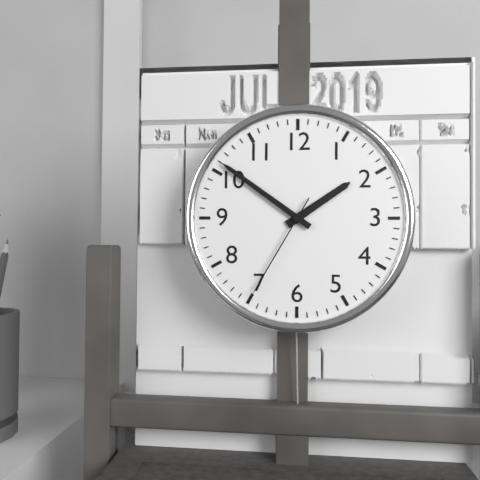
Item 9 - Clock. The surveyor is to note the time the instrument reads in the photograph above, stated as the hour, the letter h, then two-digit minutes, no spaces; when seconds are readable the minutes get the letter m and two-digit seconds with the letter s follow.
1h51m35s
